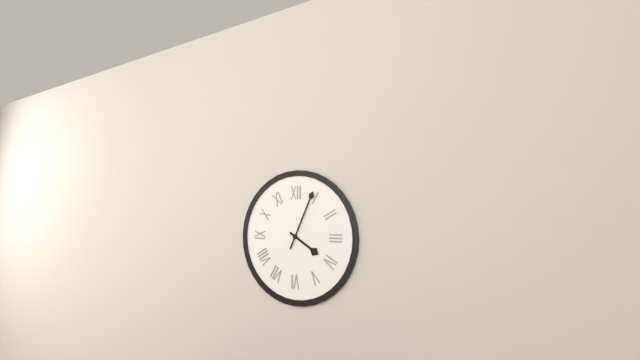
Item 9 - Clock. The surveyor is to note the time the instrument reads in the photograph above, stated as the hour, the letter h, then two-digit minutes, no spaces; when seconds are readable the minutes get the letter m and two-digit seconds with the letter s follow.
4h04
